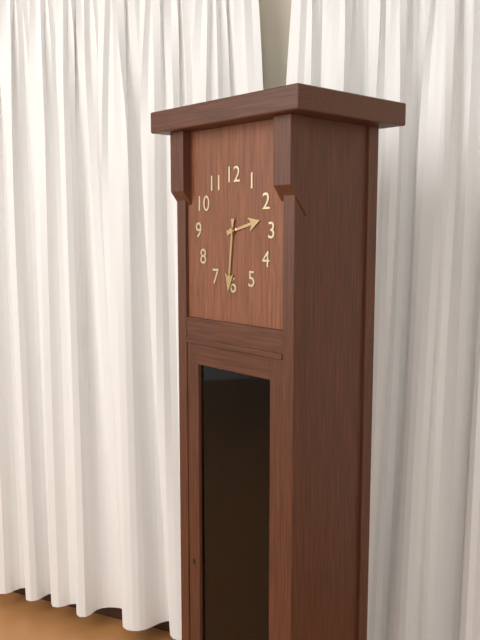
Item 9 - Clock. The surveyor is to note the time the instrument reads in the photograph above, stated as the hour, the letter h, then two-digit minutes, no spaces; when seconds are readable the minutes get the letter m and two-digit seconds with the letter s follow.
2h31
